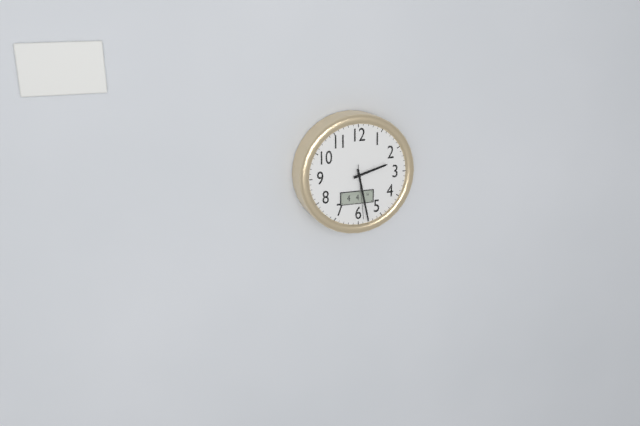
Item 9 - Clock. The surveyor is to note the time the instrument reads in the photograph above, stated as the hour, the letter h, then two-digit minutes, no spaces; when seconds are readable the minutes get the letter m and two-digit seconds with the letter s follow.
2h28m29s
